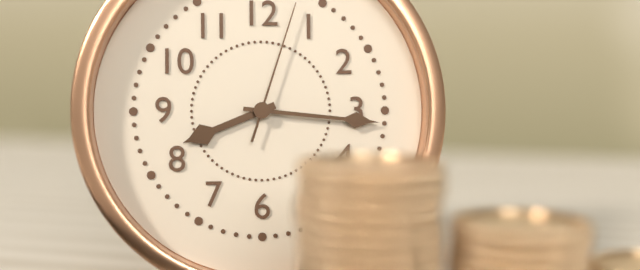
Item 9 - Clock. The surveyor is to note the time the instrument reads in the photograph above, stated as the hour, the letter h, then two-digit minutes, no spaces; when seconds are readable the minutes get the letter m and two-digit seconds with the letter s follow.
8h16m03s
